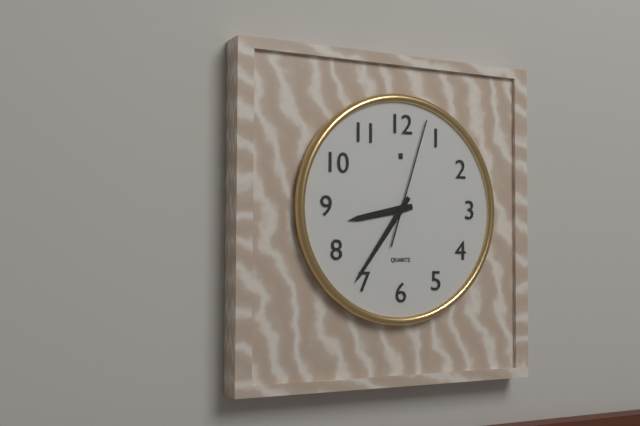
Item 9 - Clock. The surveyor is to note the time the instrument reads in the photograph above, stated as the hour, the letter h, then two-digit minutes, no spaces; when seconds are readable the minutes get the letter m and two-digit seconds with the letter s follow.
8h36m03s
